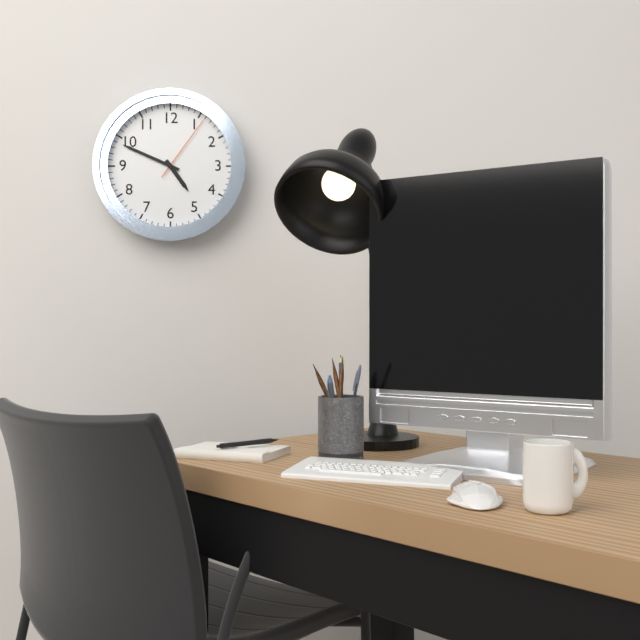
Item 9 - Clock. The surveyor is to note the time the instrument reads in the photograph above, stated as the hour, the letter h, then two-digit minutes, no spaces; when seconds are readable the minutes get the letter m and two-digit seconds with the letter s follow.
4h49m06s
